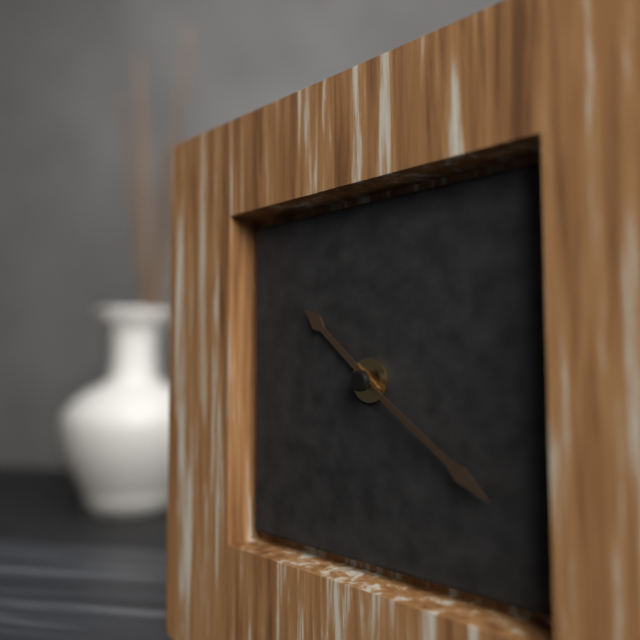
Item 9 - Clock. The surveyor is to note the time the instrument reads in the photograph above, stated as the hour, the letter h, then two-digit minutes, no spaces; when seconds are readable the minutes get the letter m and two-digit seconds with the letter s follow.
10h21
